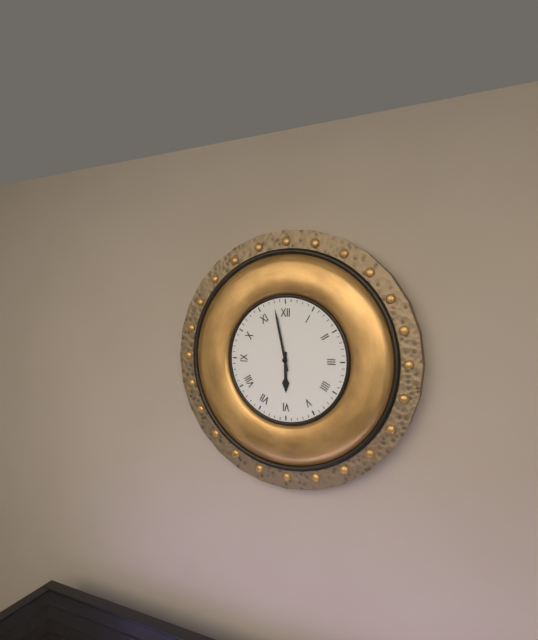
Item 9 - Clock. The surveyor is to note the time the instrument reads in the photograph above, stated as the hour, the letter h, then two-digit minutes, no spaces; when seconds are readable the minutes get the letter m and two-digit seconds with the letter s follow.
5h58
